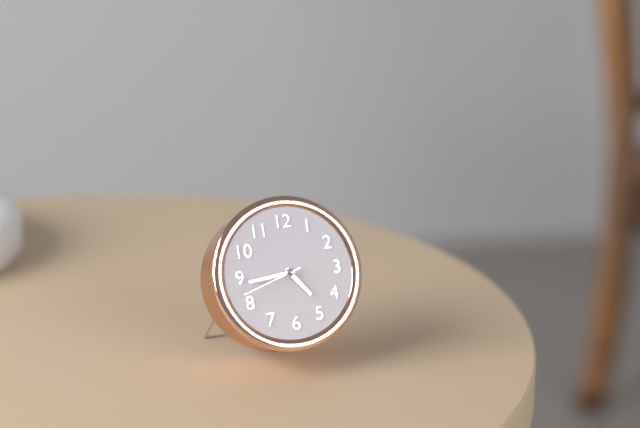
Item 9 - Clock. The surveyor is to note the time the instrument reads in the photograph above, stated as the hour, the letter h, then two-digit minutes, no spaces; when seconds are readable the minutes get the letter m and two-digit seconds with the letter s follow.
4h44m42s
